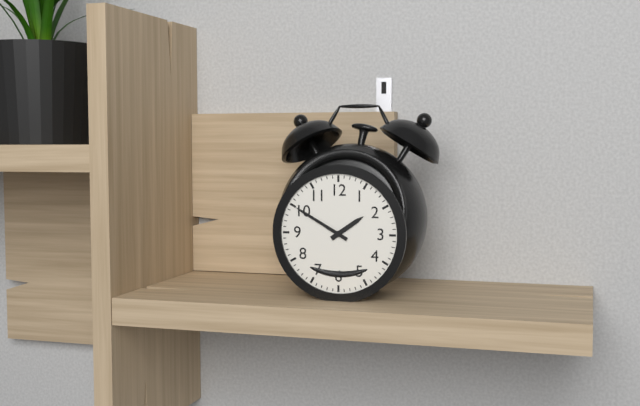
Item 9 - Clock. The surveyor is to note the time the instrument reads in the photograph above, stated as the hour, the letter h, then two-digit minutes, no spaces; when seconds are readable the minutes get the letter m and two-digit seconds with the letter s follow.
1h50
